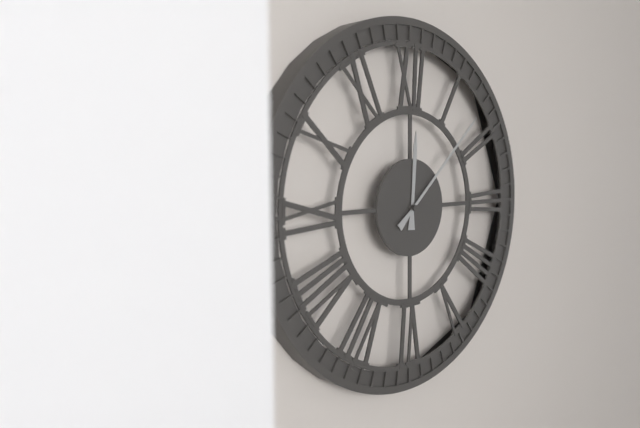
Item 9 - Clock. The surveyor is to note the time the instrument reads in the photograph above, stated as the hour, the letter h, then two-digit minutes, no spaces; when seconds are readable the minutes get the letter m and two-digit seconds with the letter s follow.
12h08
